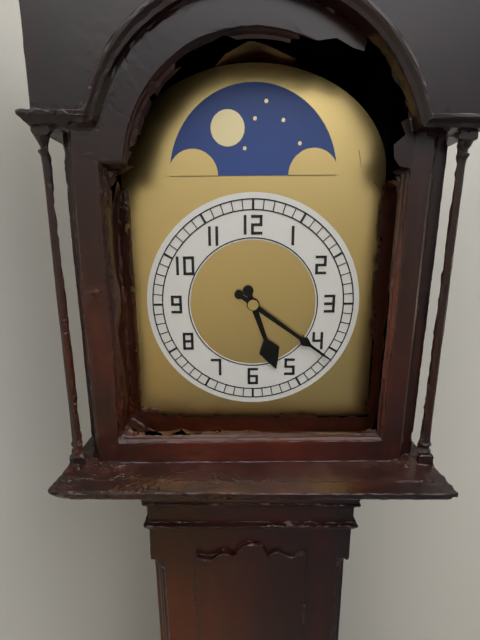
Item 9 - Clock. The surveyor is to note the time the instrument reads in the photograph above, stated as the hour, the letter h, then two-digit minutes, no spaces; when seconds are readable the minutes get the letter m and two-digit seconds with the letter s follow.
5h21
